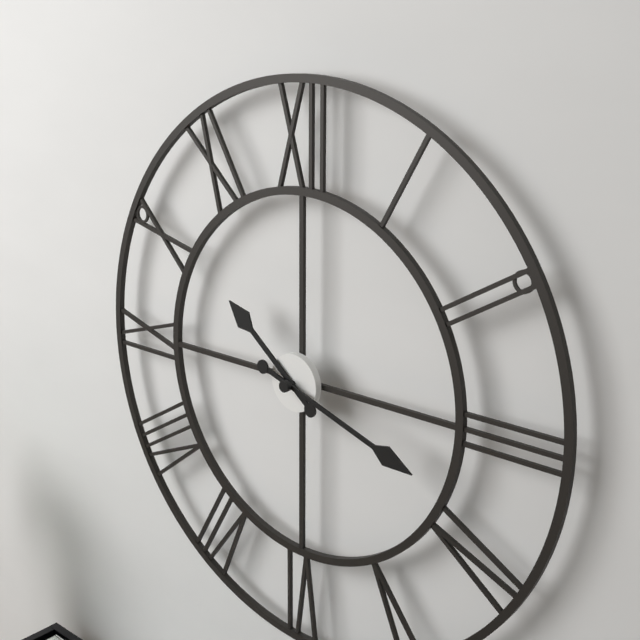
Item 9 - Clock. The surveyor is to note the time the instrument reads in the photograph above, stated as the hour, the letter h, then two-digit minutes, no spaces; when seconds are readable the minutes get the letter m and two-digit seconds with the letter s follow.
10h18
